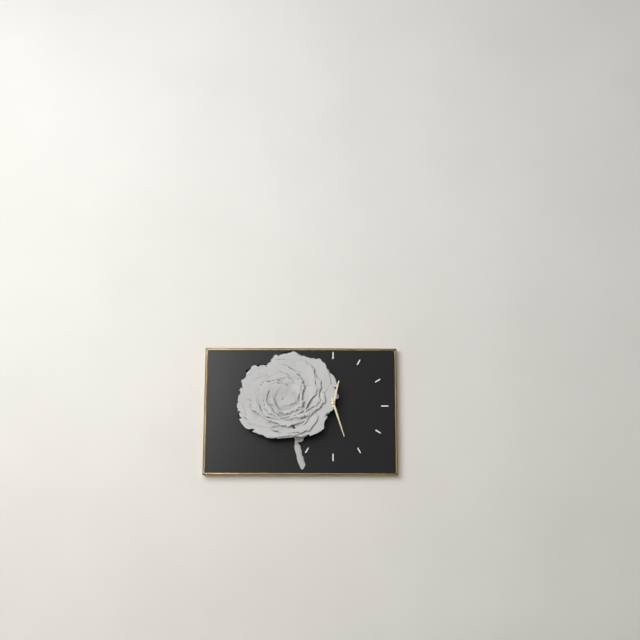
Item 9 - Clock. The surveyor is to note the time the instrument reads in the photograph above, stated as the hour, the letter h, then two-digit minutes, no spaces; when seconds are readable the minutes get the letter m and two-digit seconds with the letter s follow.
12h27
